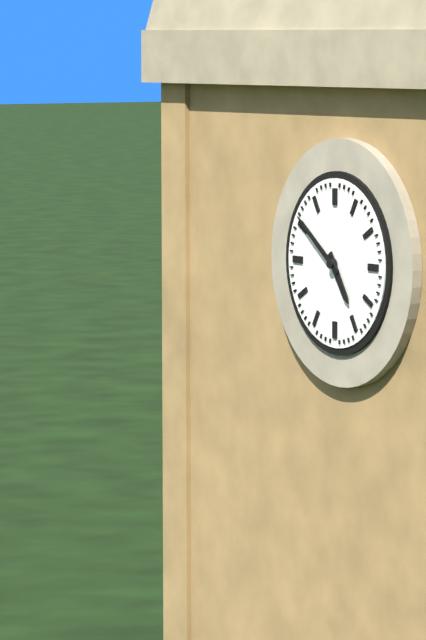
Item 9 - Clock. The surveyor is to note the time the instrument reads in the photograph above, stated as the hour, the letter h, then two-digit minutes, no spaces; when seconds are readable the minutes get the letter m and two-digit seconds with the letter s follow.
4h51
